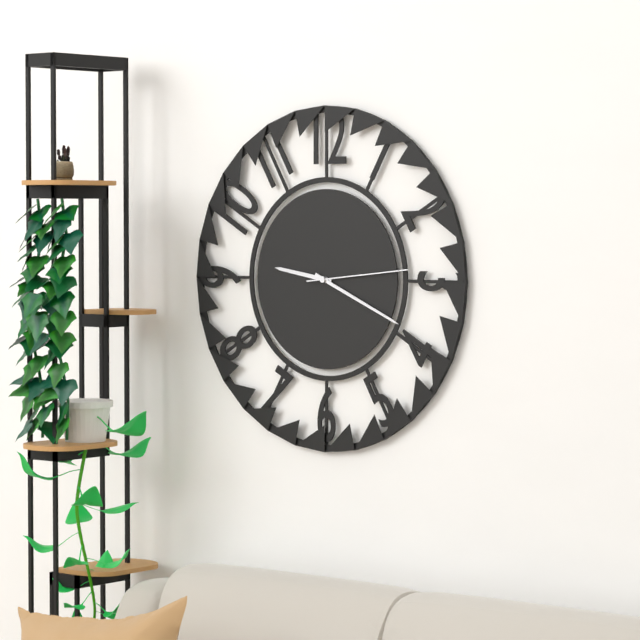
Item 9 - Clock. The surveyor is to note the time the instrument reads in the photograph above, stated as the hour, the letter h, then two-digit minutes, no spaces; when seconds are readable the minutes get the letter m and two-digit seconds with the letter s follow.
9h19m14s
